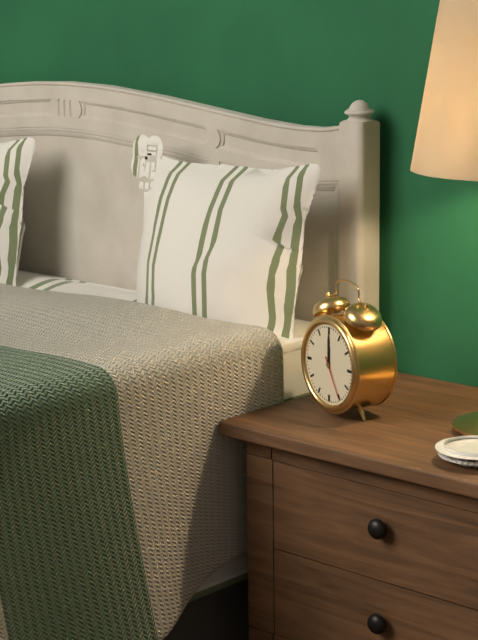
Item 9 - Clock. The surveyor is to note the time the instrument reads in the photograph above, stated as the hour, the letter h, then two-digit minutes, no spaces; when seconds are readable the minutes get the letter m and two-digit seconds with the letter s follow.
12h00
